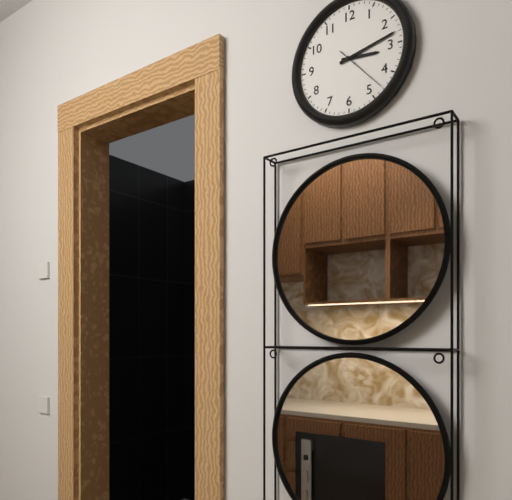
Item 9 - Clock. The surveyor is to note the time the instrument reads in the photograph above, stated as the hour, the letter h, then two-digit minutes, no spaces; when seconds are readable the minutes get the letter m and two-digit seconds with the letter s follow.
3h13
